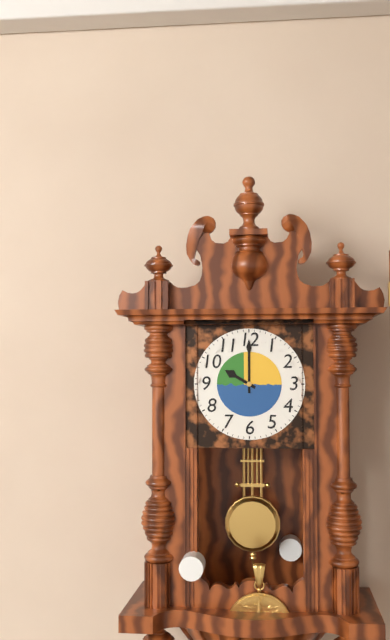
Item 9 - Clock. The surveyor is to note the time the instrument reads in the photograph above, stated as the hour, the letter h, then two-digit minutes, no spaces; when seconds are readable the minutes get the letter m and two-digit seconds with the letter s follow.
10h00
